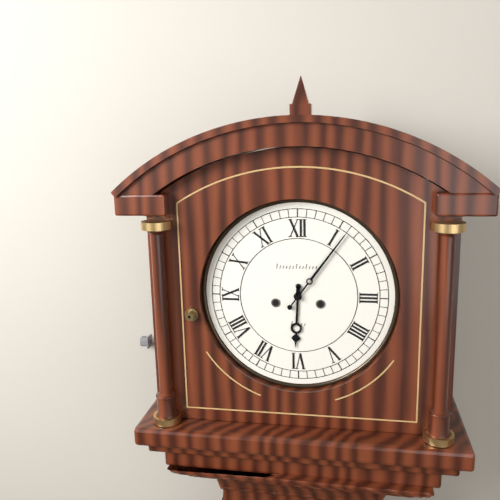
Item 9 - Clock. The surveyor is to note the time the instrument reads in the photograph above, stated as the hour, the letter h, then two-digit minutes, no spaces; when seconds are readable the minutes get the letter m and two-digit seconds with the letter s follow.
6h06
